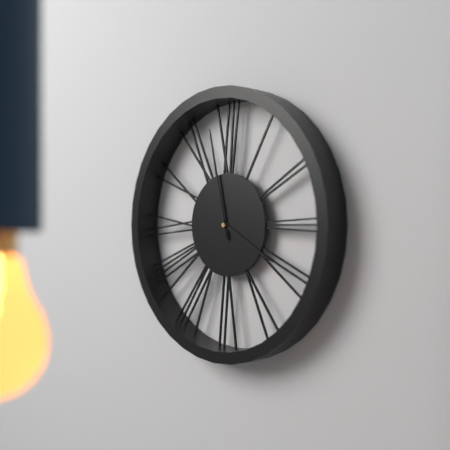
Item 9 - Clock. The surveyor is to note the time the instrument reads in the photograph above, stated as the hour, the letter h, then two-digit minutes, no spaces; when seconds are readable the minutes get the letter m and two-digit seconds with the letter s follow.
3h58
